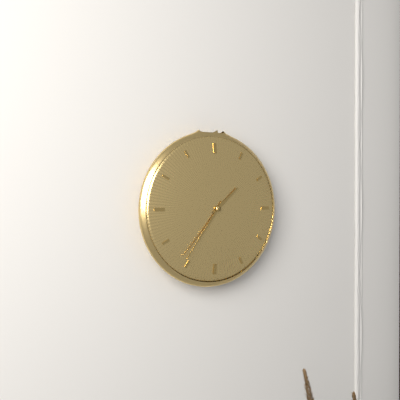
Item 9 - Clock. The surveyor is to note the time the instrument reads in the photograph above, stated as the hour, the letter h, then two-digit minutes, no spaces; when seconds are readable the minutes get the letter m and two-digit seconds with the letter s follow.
1h36
